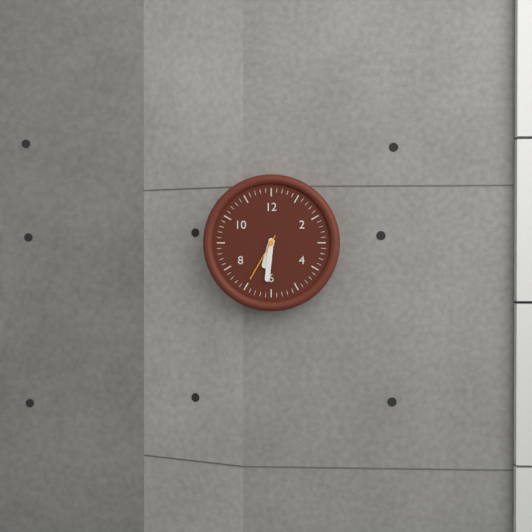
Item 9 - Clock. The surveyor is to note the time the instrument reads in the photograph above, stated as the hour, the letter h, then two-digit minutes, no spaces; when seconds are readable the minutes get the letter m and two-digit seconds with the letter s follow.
6h31m35s
